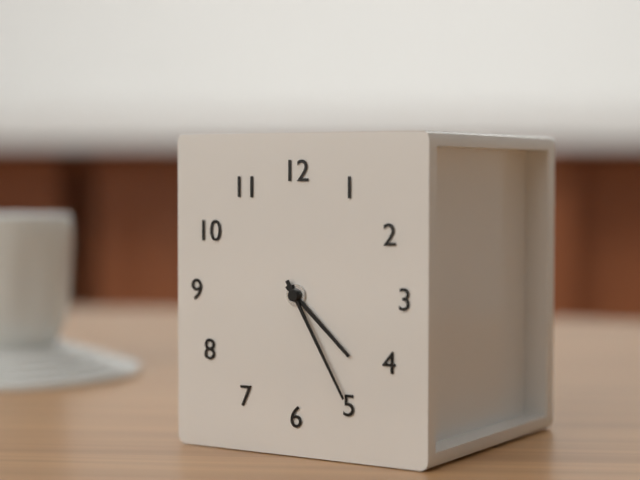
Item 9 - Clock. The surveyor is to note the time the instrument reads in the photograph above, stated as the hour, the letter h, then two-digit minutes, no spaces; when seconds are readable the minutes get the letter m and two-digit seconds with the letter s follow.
4h25
